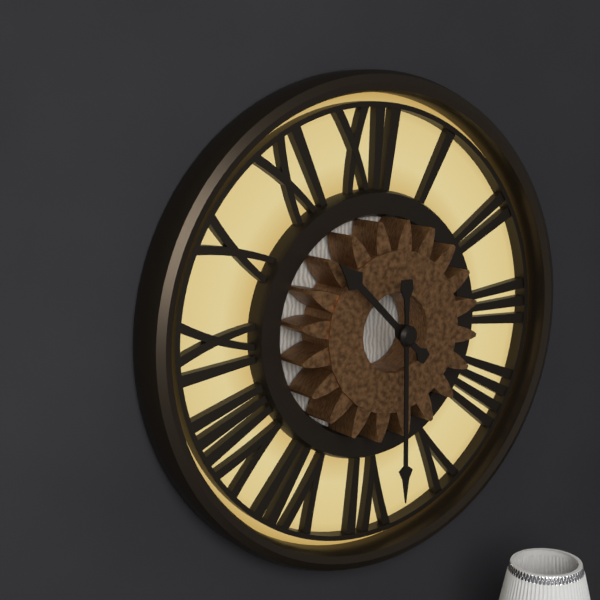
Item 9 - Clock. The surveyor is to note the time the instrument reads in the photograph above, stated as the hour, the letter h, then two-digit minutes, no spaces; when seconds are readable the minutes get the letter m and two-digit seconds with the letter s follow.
10h30
